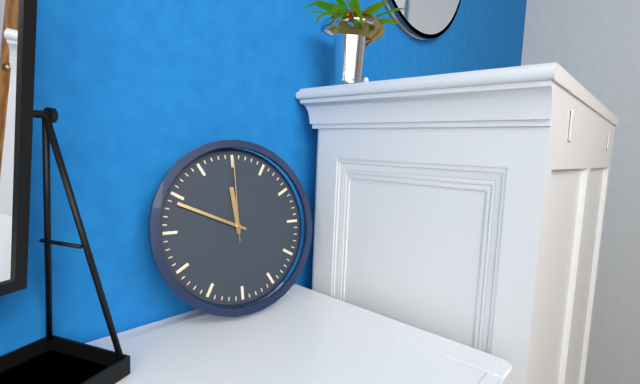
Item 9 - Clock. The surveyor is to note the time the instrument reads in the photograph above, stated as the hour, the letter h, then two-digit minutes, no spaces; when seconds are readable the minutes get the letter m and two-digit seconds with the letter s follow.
11h49m00s
